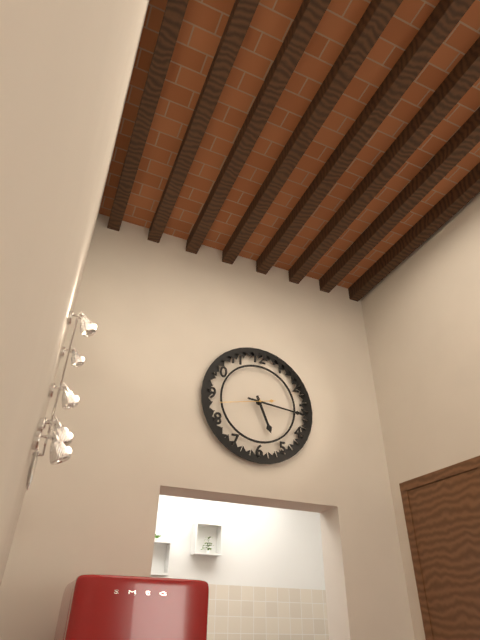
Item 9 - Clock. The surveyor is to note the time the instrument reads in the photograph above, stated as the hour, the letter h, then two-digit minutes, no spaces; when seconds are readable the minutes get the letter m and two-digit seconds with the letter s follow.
5h16
